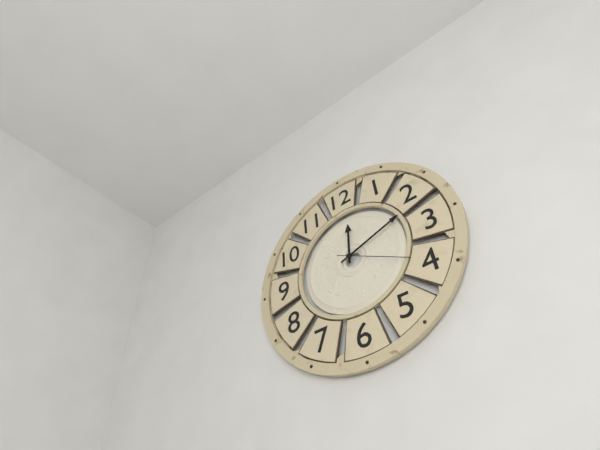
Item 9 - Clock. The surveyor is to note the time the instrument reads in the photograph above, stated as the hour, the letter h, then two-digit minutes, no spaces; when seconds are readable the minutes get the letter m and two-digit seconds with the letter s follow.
12h12m20s
